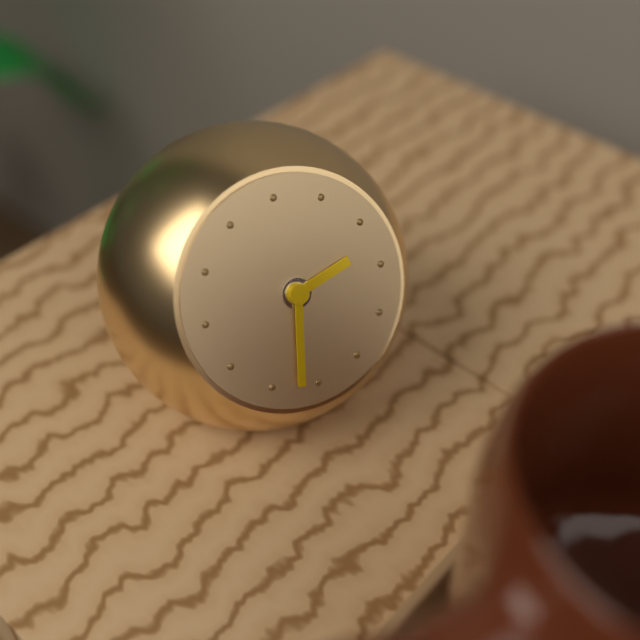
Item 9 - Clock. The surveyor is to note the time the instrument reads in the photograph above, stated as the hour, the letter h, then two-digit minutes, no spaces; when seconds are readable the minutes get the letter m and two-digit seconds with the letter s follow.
2h32
